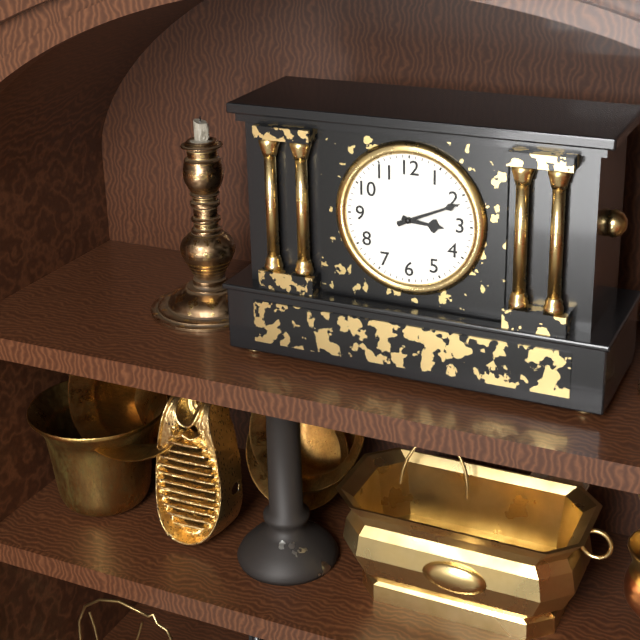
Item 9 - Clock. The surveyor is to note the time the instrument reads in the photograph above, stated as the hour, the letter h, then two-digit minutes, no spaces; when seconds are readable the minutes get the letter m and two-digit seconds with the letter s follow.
3h11
